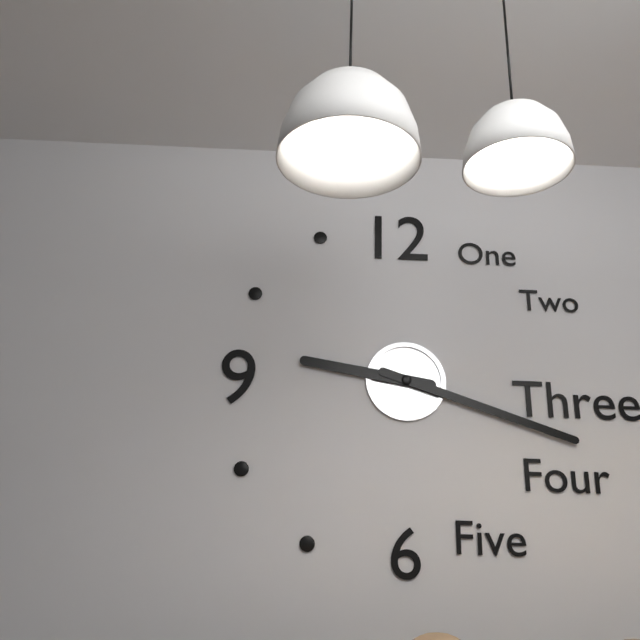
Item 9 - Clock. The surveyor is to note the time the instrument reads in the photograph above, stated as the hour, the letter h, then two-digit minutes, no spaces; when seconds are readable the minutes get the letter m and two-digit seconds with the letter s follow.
9h18
